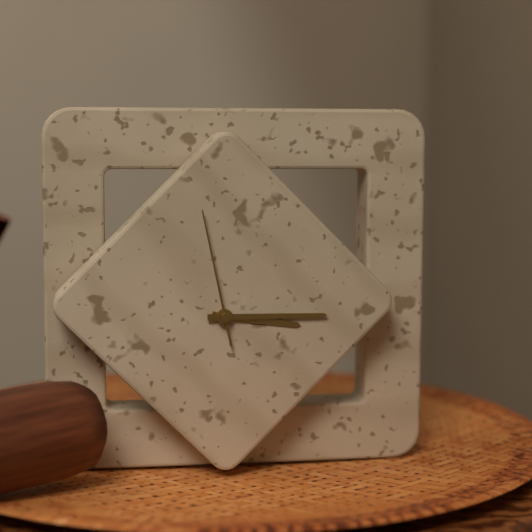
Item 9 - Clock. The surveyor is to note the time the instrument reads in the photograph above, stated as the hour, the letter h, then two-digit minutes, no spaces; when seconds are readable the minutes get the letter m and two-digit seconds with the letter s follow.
3h15m58s
